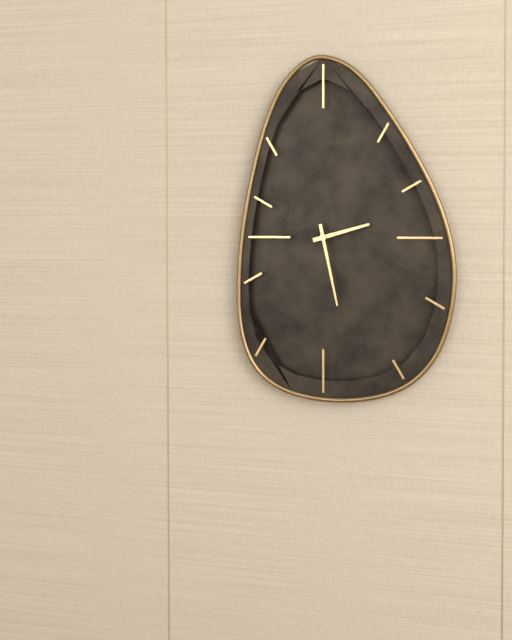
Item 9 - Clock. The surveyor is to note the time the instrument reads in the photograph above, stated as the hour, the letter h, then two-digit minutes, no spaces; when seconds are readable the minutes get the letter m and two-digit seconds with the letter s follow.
2h28
